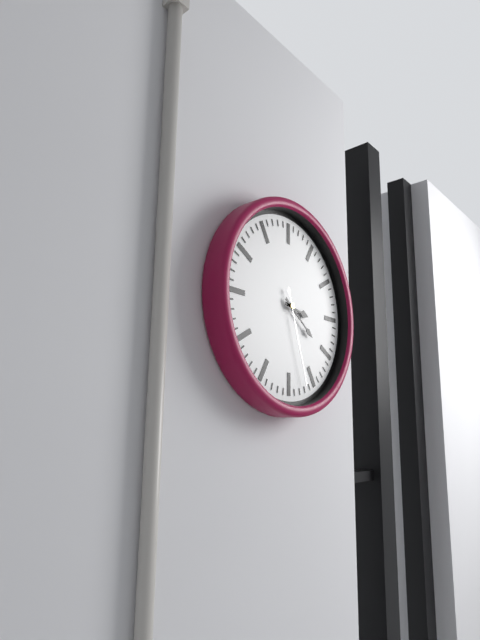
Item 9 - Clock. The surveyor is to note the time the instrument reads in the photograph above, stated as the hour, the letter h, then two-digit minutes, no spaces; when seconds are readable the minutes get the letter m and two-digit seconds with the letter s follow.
3h21m27s
